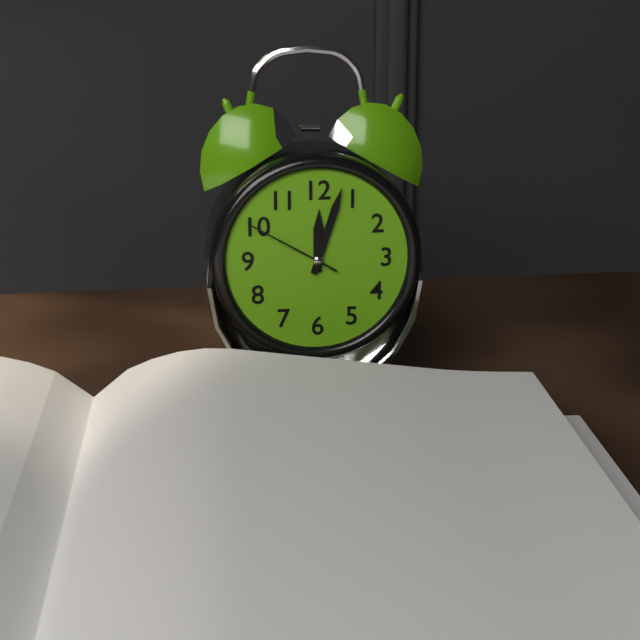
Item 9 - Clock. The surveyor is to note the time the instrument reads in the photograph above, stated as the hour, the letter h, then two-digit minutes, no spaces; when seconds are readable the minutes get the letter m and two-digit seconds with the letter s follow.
12h03m50s
